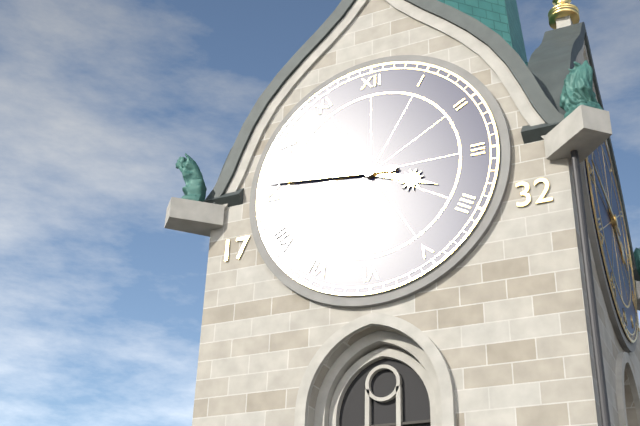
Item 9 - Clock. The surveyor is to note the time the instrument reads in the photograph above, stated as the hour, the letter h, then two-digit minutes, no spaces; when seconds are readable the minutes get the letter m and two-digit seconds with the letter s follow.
3h46
